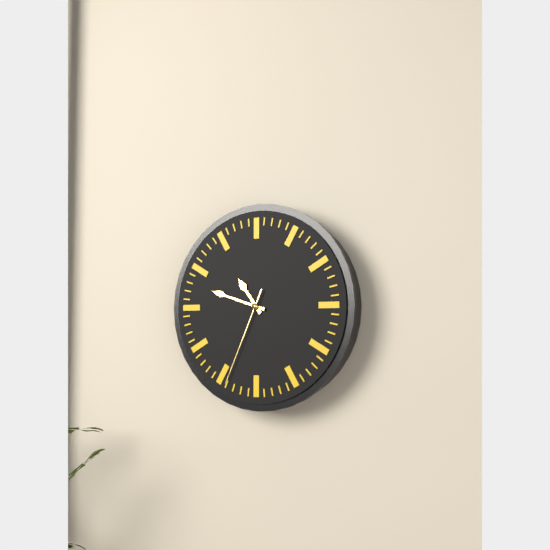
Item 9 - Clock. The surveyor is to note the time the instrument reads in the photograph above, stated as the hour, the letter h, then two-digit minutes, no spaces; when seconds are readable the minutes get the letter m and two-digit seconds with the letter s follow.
10h48m34s
